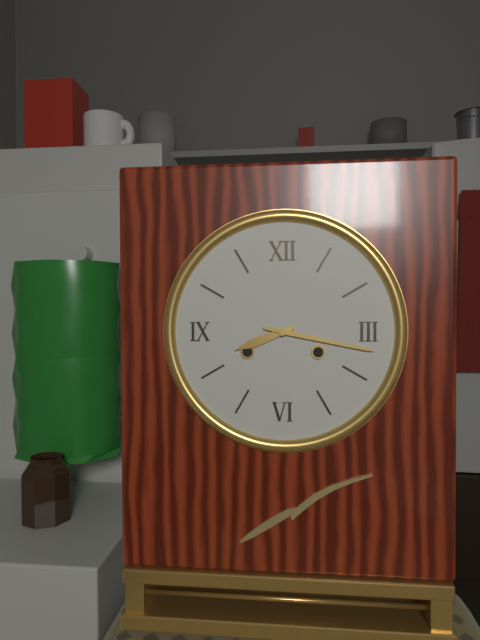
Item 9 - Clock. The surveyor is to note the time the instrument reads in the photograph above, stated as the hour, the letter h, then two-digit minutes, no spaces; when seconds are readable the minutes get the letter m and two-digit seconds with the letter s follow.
8h17
